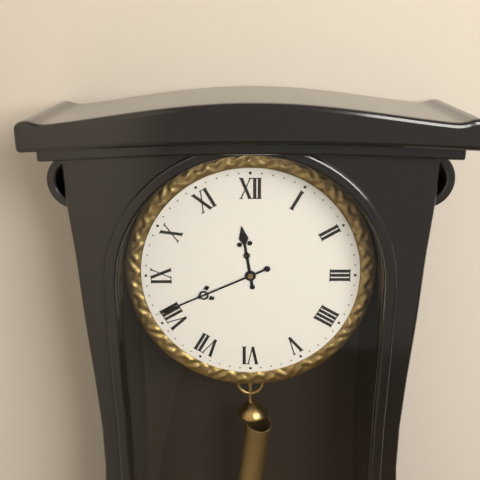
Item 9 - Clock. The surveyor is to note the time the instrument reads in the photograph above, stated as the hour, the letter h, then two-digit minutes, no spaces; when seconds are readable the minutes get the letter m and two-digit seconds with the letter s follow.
11h41
